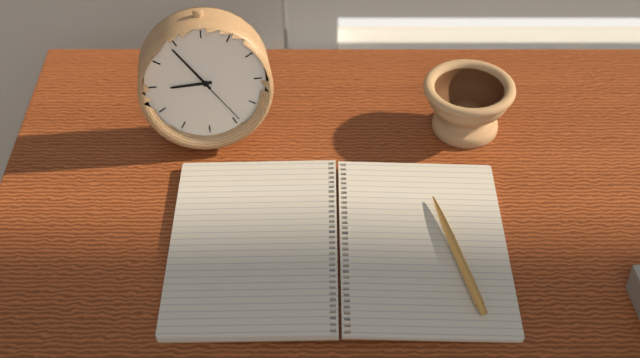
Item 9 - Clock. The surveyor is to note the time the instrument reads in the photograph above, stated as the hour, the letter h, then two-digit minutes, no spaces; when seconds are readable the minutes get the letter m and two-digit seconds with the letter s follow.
8h54m24s
